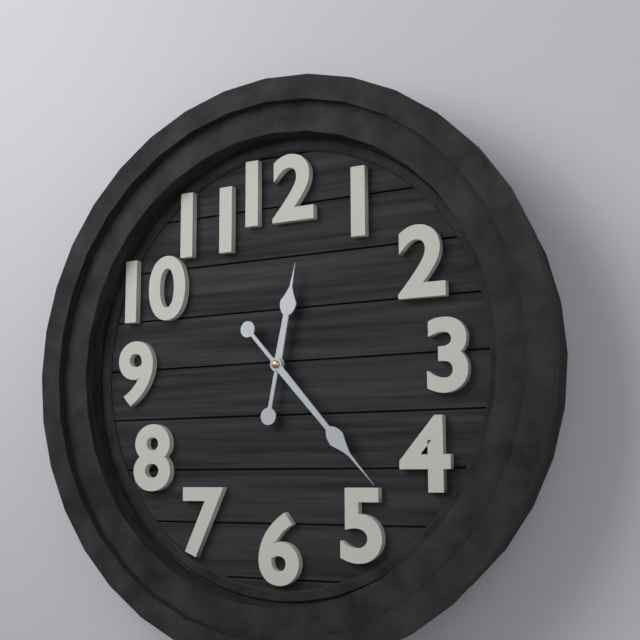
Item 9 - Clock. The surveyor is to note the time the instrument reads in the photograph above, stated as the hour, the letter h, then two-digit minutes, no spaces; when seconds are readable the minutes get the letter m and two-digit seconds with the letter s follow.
12h23
